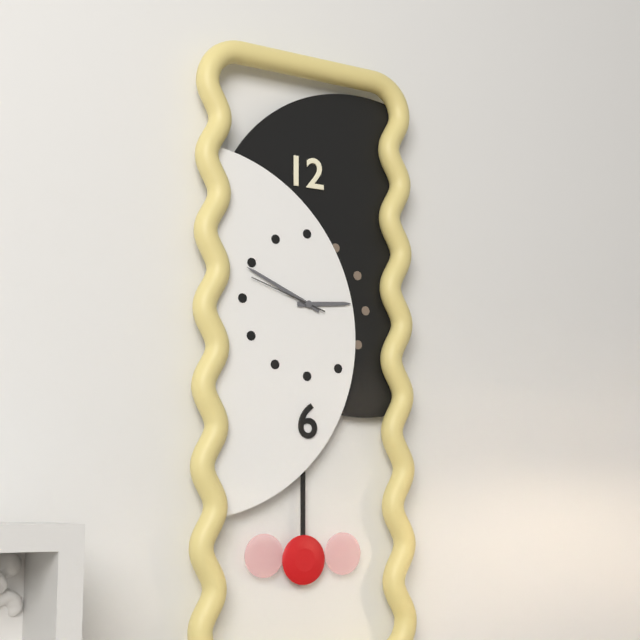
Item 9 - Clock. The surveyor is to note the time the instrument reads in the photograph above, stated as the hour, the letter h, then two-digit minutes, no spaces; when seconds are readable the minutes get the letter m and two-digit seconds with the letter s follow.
2h49m48s
